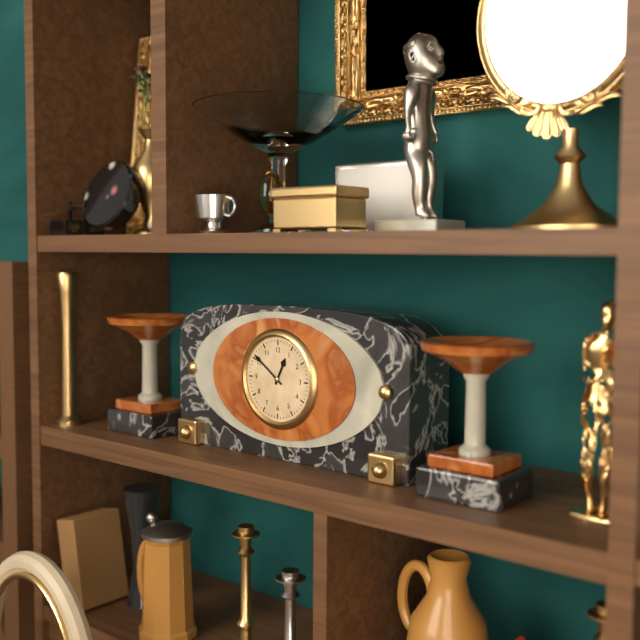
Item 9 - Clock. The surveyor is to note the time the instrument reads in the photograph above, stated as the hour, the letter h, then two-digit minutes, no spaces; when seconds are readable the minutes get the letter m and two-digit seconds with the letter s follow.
12h51
